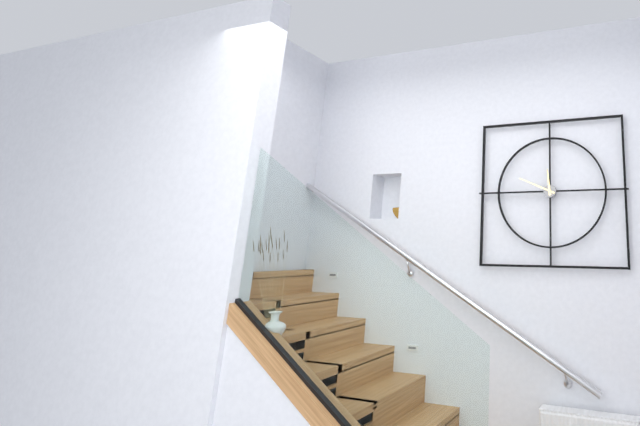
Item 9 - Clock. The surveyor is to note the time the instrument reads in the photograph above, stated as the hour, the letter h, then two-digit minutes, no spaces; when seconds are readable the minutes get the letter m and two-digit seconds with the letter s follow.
11h49
